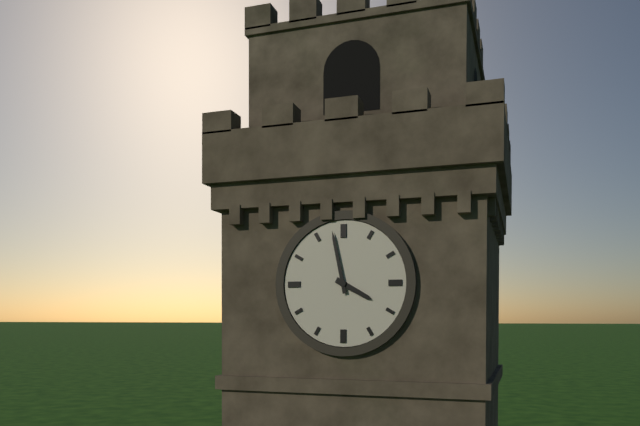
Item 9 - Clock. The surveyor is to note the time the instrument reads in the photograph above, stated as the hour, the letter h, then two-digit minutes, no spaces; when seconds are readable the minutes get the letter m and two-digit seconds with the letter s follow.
3h58
